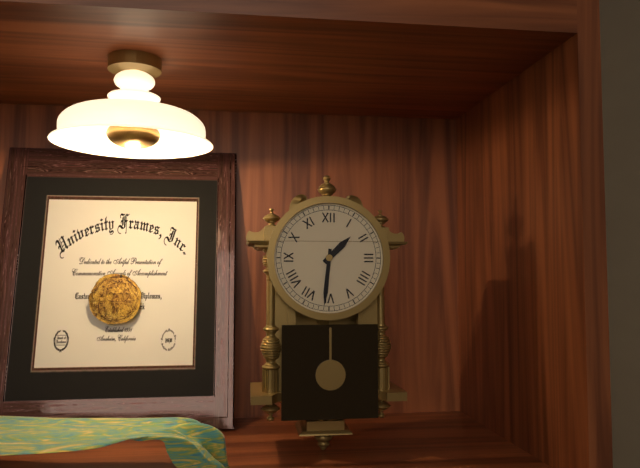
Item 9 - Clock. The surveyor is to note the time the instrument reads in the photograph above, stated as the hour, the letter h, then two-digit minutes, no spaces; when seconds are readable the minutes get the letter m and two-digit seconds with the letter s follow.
1h31
